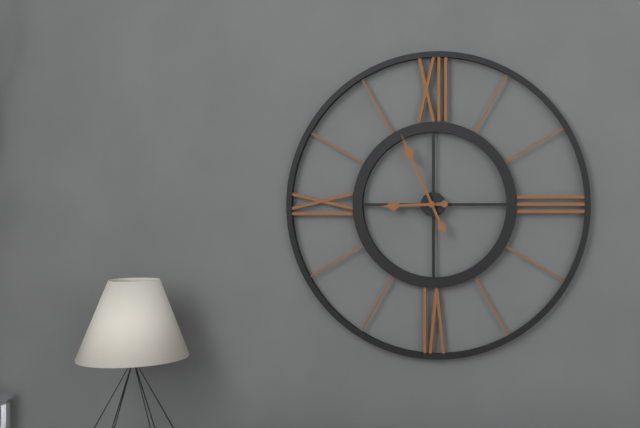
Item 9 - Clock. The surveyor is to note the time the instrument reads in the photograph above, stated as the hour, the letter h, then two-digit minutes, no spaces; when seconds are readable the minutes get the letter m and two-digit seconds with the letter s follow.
8h56
